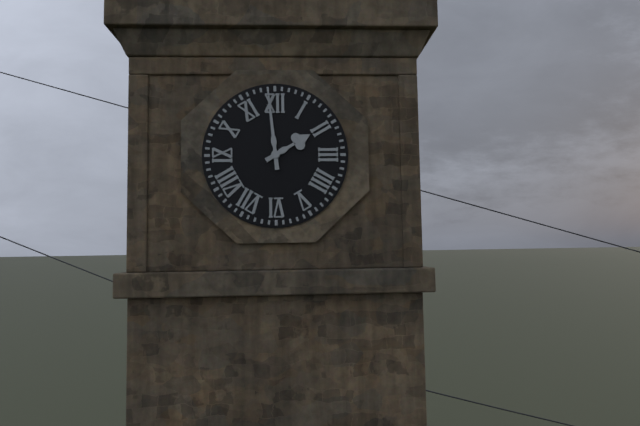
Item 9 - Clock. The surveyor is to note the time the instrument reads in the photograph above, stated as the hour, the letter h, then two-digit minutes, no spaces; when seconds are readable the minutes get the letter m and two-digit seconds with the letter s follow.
1h59
